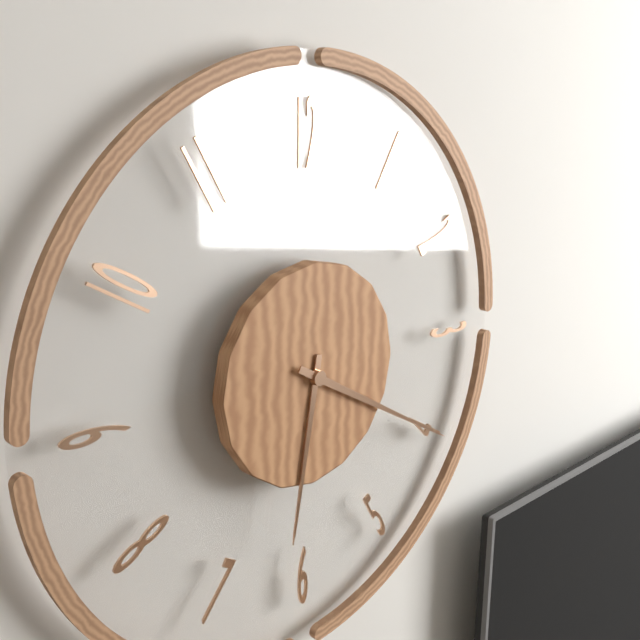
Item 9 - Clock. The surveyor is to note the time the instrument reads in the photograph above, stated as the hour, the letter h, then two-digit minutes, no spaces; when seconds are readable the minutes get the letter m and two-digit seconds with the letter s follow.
6h20
